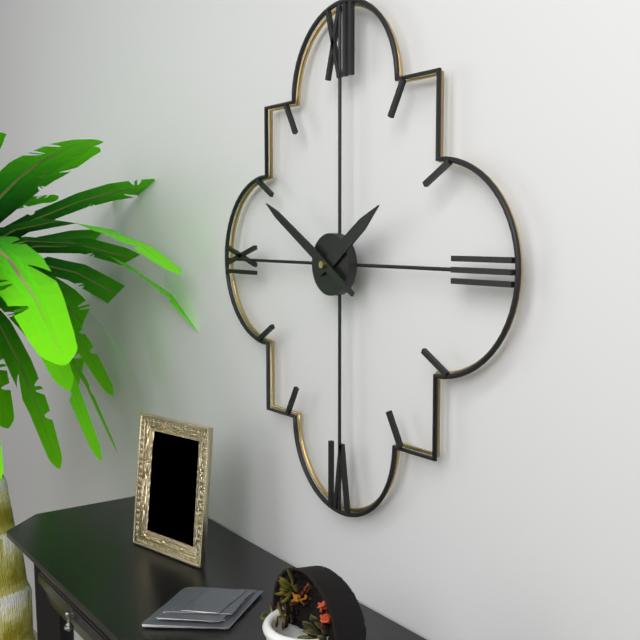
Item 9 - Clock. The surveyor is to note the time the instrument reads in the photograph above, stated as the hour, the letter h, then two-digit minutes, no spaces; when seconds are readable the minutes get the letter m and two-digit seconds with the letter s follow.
1h50
